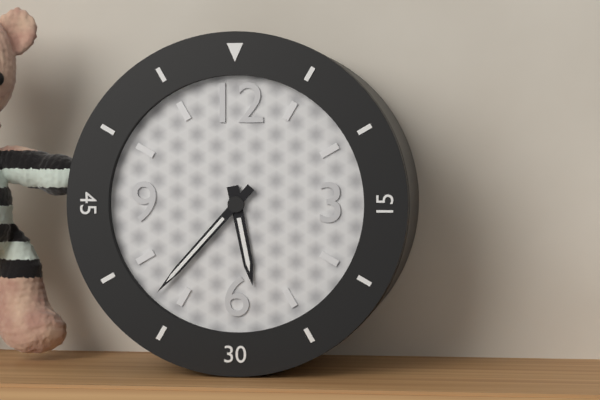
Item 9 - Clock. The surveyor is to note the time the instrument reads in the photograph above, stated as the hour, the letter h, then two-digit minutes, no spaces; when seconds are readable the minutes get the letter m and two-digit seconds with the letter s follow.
5h37
